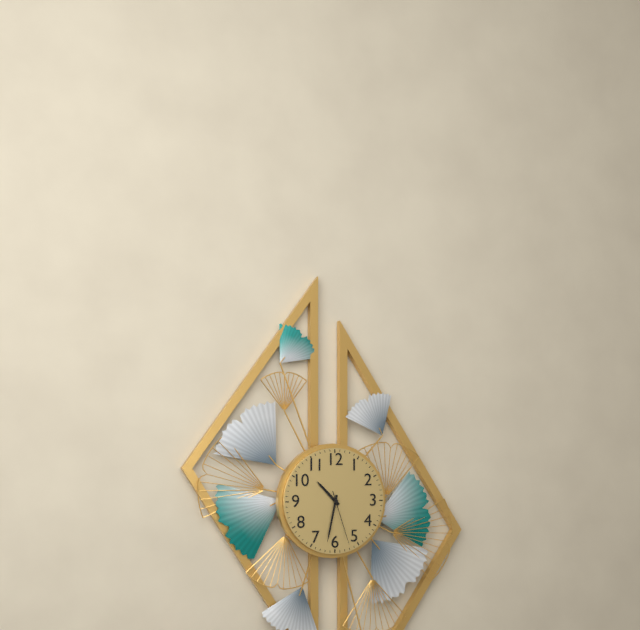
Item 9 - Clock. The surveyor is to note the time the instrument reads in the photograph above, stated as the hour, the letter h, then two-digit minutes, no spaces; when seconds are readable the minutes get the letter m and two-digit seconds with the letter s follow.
10h32m27s
